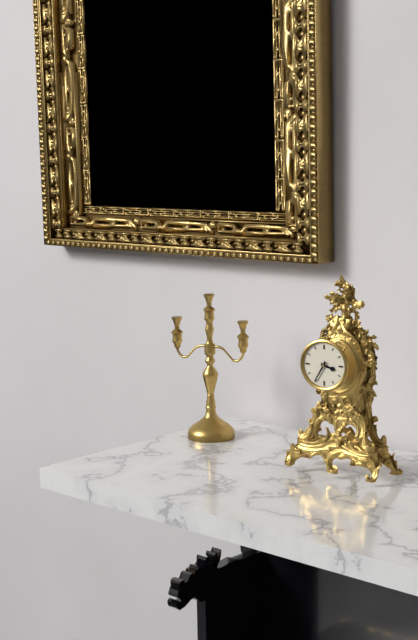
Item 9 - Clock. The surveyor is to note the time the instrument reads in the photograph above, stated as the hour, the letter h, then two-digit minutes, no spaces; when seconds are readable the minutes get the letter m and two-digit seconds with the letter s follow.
3h35
